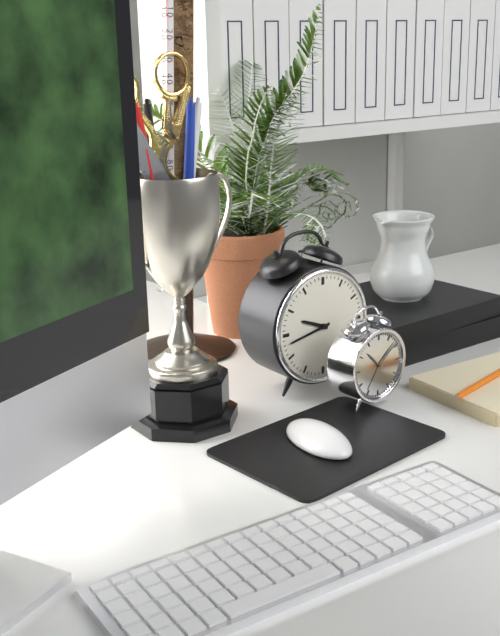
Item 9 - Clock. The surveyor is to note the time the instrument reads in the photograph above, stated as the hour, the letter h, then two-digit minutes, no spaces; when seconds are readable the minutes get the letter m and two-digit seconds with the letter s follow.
9h43
